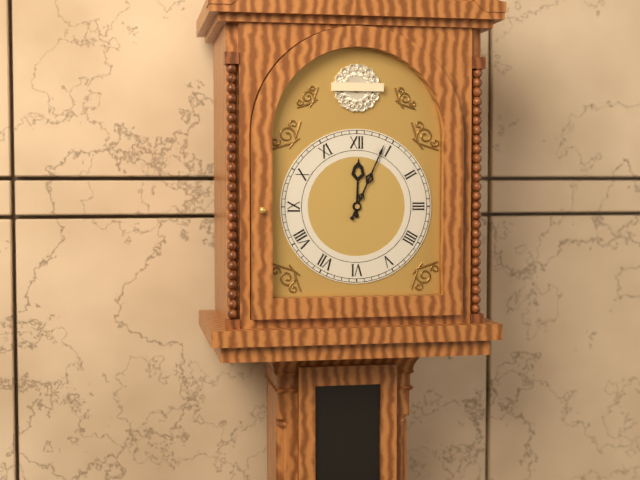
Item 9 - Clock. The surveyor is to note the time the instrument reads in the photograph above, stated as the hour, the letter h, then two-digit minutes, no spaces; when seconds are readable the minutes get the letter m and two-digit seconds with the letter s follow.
12h04
